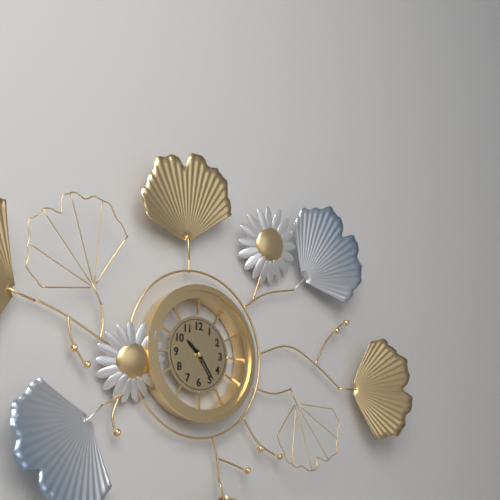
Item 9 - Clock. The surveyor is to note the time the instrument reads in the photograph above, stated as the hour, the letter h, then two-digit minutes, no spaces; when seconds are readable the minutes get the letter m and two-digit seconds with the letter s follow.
10h24
